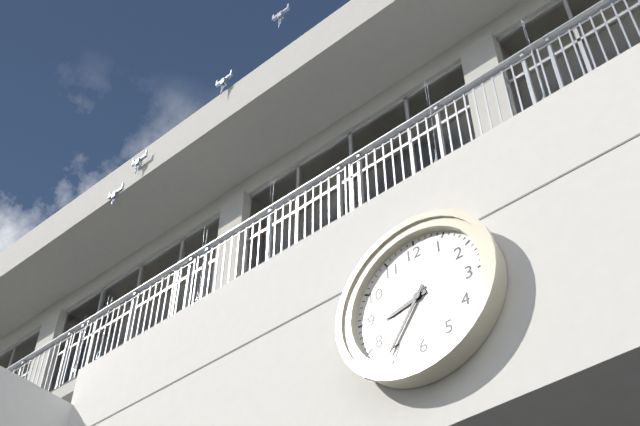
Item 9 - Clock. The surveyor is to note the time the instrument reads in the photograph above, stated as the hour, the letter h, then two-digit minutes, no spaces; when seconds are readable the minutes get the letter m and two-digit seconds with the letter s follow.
8h36
